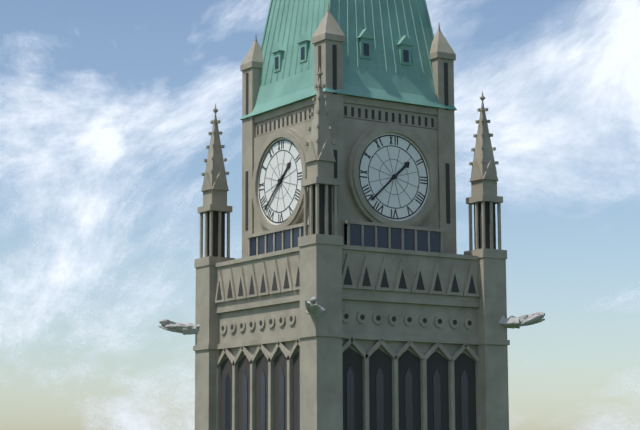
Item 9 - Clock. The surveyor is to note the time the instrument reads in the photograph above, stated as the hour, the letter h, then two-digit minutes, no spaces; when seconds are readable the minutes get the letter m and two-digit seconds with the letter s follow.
1h38
